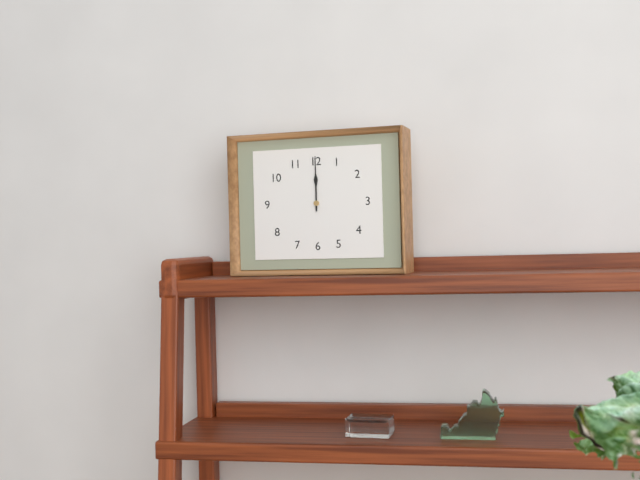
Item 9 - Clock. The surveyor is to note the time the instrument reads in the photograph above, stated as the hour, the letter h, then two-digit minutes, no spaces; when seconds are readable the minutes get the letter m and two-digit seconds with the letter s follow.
12h00
